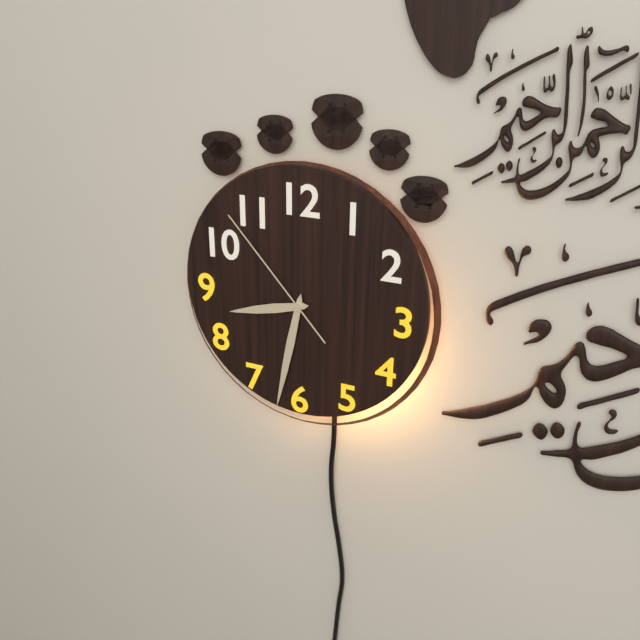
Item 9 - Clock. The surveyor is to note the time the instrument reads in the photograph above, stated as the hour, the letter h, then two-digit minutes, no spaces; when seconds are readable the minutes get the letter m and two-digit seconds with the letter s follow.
8h32m53s
